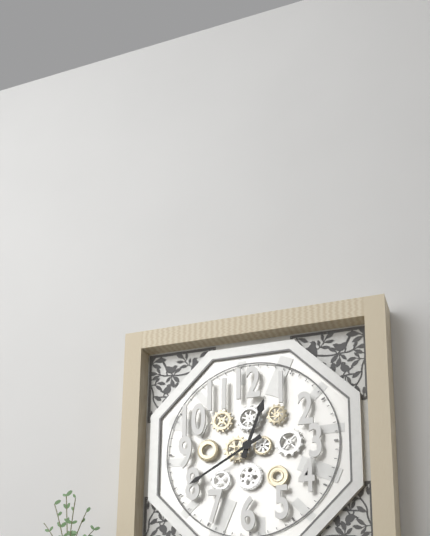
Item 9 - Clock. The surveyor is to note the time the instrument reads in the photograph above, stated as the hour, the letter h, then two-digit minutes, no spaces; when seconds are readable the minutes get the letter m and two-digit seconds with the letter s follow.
12h40
